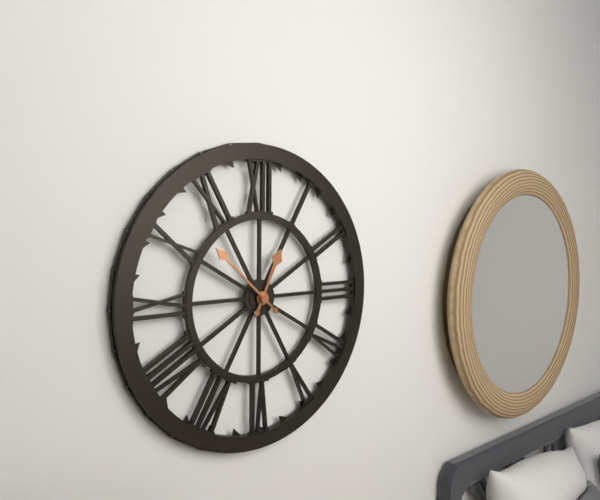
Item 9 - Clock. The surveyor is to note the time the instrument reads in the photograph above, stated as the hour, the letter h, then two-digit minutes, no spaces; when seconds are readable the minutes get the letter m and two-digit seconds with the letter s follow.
12h52
